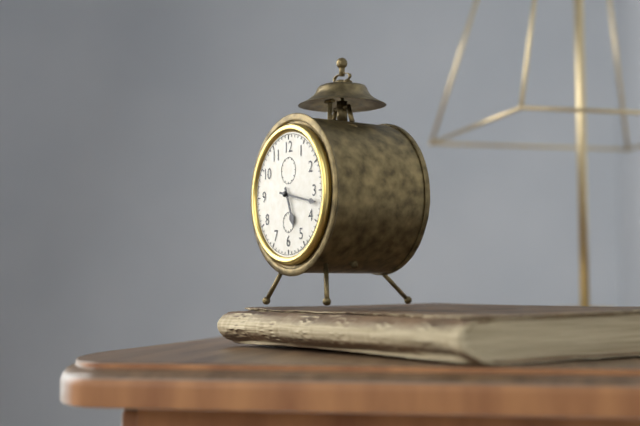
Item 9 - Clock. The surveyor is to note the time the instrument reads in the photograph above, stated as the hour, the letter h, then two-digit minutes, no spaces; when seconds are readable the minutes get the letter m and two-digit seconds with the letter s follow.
5h17
